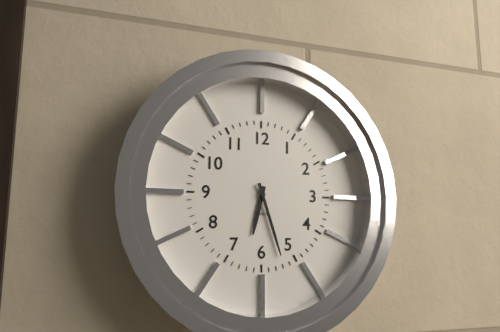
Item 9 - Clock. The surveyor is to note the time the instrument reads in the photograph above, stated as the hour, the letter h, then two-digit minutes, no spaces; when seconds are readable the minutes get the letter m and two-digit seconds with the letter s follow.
6h27
